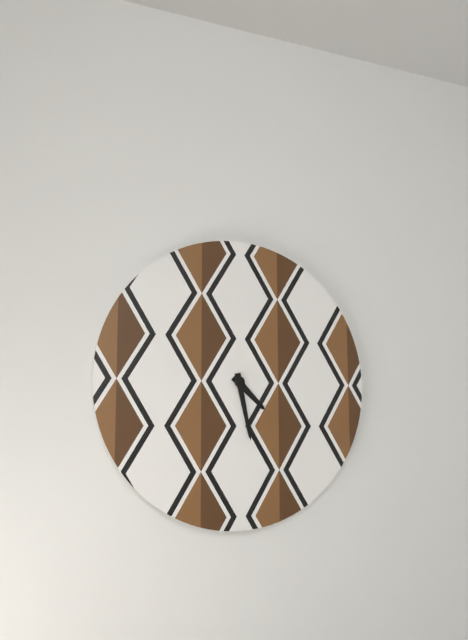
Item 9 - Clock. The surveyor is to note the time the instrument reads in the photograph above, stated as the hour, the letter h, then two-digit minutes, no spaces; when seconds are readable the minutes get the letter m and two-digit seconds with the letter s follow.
4h28
